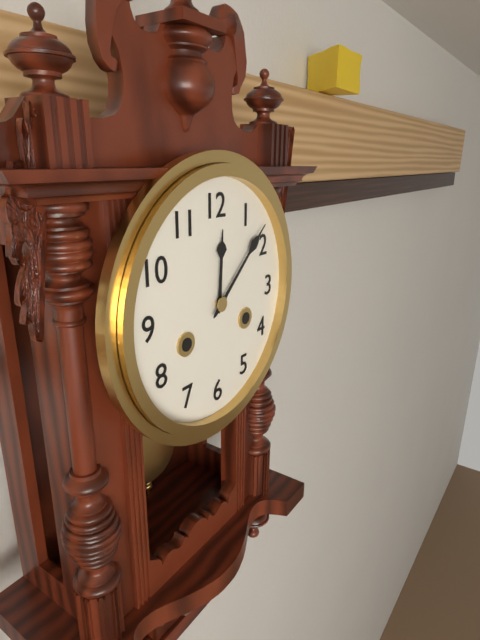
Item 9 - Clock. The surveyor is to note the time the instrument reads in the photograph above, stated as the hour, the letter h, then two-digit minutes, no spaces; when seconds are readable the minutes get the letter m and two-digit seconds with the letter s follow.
12h08
